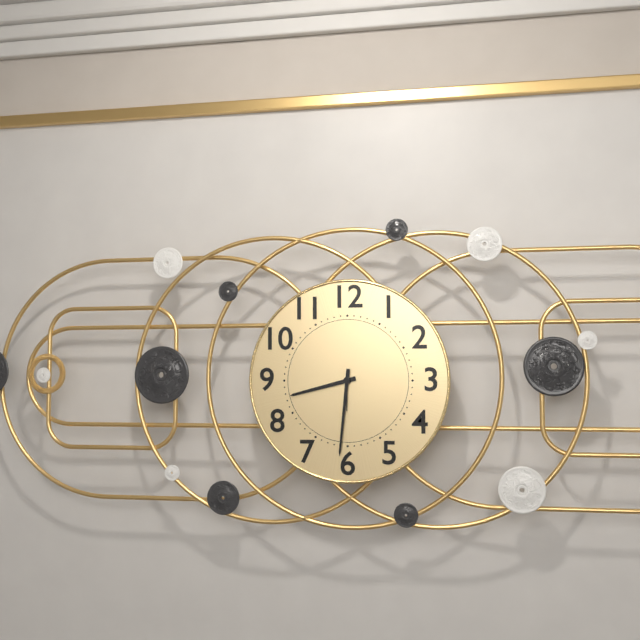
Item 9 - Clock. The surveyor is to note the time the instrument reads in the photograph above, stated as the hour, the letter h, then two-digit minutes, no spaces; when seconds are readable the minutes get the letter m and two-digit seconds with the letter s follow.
8h31
